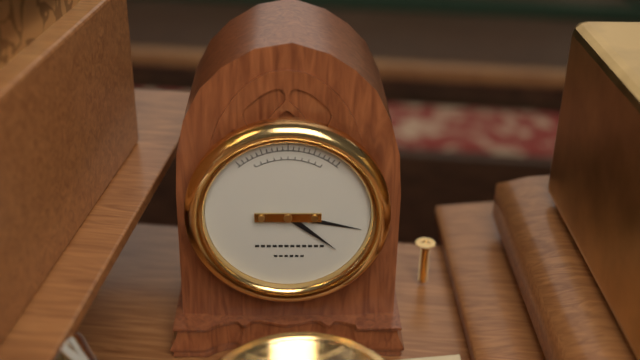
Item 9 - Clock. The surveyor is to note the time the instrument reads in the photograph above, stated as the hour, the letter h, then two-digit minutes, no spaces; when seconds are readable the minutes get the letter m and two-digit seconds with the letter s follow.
4h17
